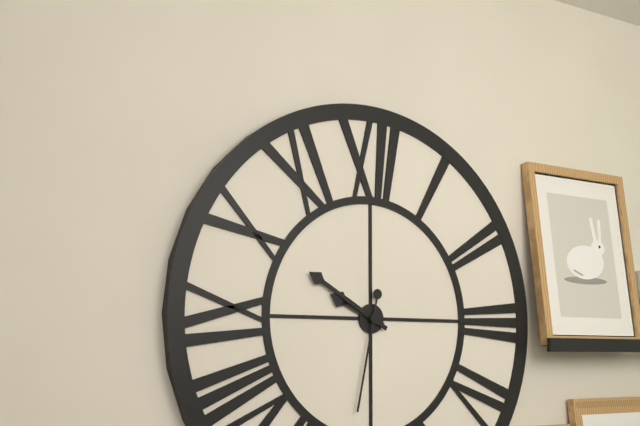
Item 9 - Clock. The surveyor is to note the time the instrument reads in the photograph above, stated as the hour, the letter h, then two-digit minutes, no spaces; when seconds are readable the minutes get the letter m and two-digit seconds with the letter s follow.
9h50m32s
